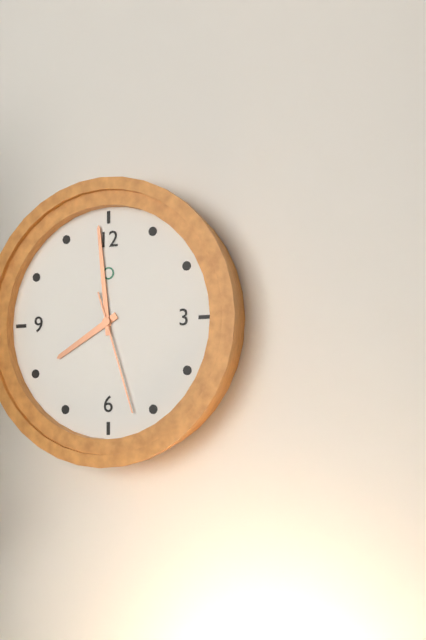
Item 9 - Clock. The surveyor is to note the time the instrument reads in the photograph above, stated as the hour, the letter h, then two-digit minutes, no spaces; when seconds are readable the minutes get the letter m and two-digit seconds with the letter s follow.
7h59m27s
